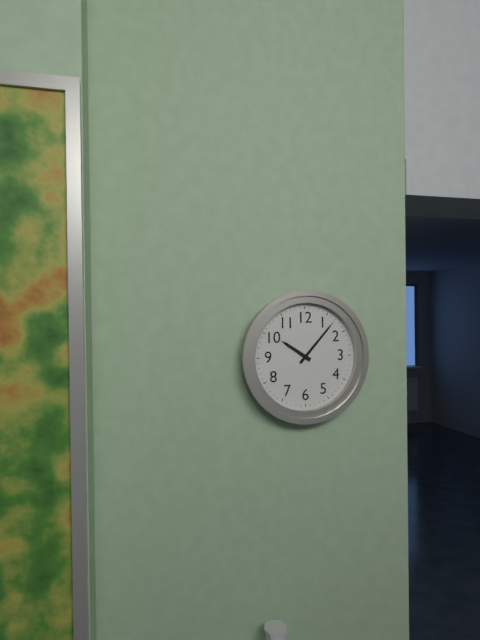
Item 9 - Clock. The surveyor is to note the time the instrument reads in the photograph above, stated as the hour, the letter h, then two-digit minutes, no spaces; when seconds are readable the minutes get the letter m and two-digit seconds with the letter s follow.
10h07
